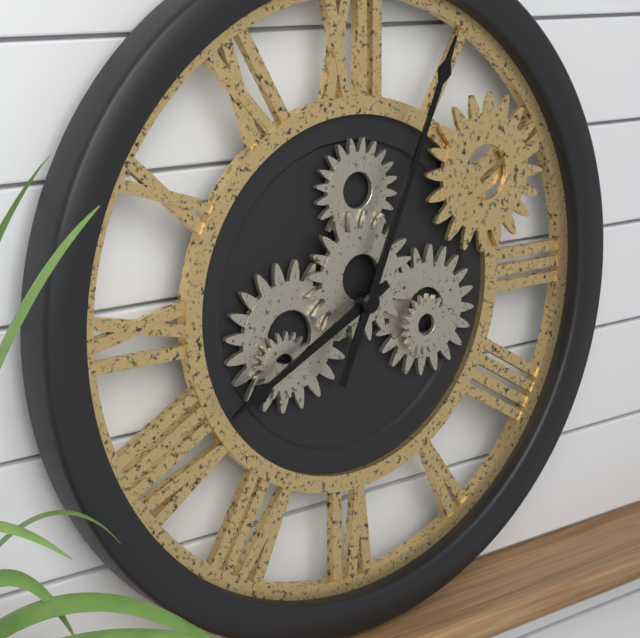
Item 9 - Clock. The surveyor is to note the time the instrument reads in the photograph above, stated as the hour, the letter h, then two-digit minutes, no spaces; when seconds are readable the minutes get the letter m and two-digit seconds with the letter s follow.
8h04
